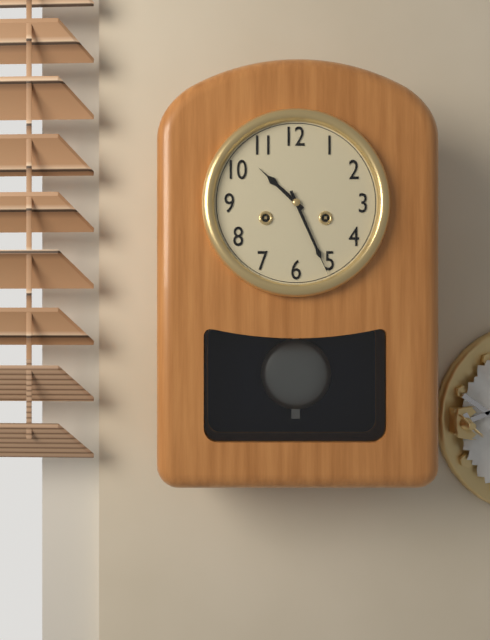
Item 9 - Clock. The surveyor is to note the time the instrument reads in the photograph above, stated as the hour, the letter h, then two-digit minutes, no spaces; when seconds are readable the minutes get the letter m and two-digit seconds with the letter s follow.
10h26
